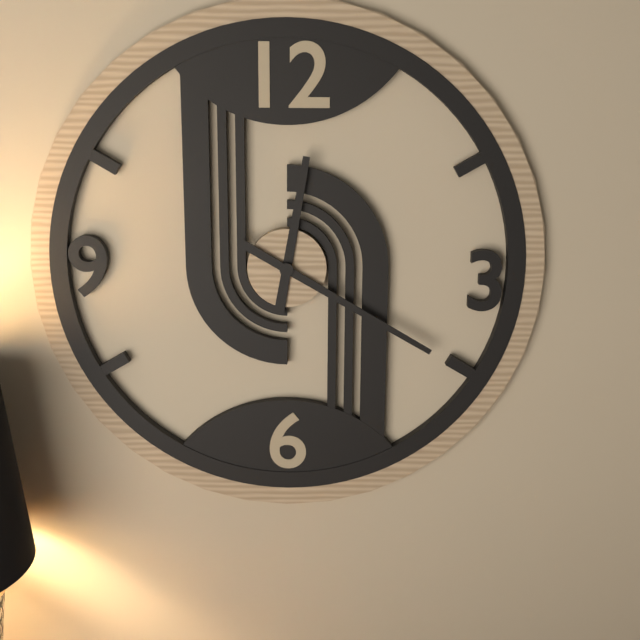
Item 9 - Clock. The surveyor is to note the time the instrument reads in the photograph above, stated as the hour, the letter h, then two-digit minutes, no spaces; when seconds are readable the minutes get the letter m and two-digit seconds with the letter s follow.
12h20
